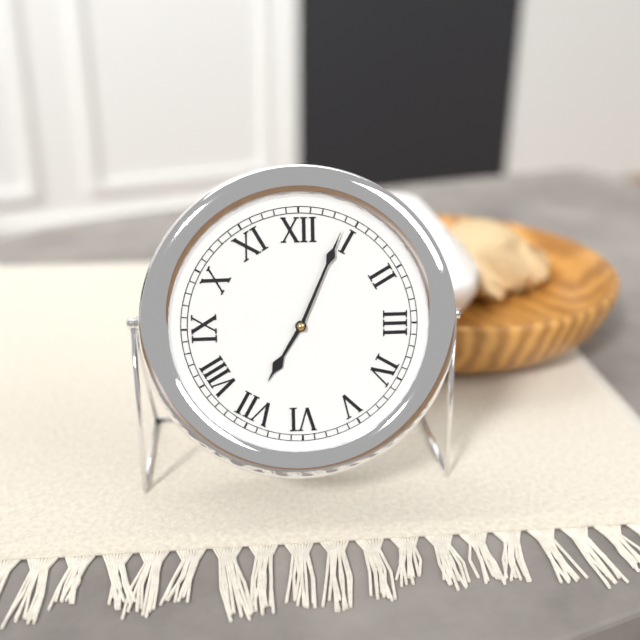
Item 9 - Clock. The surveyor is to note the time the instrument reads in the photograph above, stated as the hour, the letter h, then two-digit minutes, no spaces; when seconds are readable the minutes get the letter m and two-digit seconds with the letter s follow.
7h04
